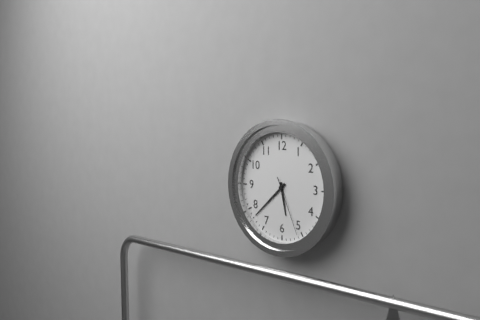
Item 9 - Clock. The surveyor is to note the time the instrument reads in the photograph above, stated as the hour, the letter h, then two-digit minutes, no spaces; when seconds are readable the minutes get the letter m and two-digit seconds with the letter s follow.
5h38m26s
